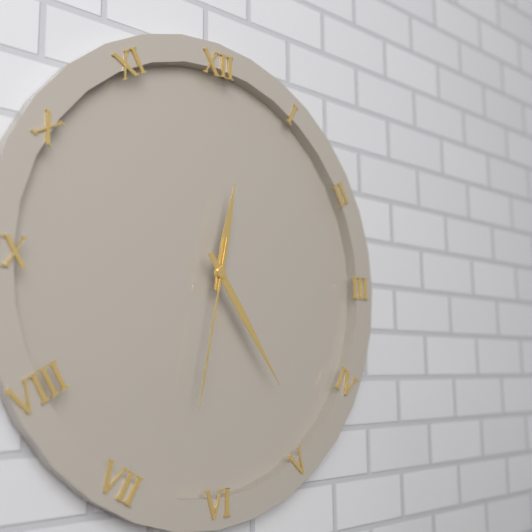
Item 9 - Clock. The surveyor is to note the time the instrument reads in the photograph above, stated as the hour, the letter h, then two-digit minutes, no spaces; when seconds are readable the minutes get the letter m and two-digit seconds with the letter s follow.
12h24m32s
